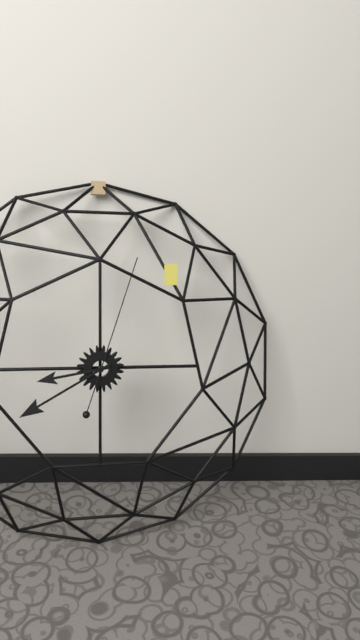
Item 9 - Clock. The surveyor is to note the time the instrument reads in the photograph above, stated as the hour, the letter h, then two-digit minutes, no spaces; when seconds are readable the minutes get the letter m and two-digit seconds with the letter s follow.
8h40m03s
